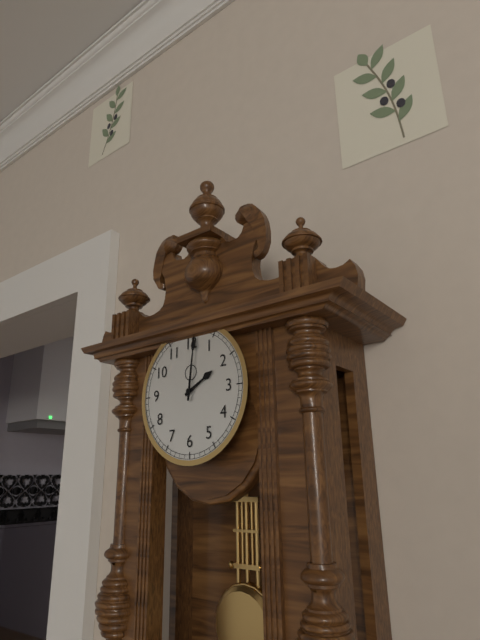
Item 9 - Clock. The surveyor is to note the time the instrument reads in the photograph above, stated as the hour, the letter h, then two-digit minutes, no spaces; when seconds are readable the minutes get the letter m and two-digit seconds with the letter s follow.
2h01
